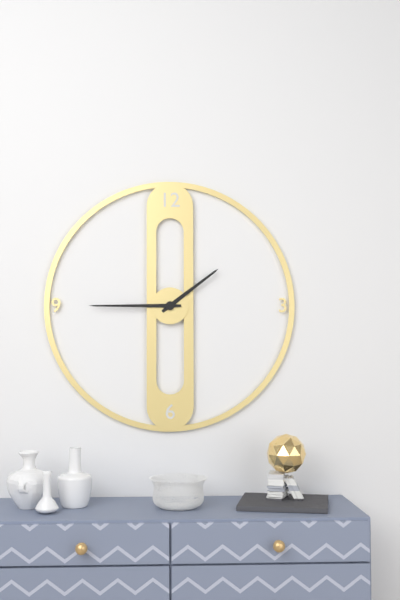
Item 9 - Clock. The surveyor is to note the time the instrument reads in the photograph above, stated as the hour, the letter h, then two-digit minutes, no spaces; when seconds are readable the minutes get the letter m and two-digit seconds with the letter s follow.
1h45
